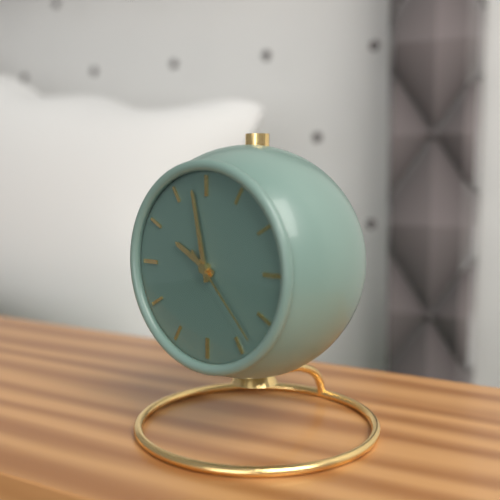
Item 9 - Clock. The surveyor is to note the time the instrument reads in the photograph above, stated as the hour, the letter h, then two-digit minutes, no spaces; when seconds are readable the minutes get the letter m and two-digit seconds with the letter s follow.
9h58m23s
